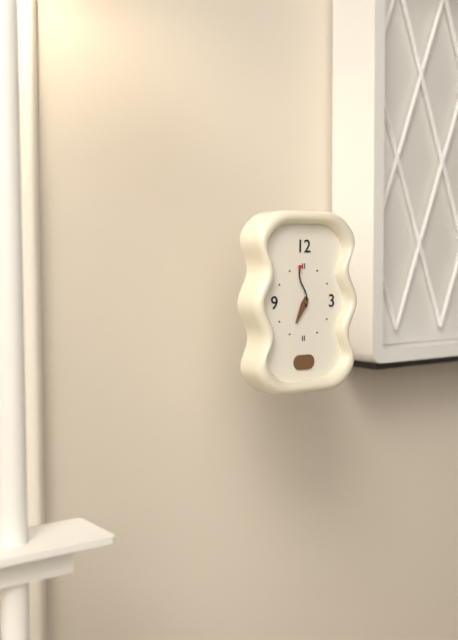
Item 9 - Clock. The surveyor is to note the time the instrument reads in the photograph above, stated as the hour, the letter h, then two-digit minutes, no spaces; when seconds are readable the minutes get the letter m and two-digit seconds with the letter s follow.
6h58
